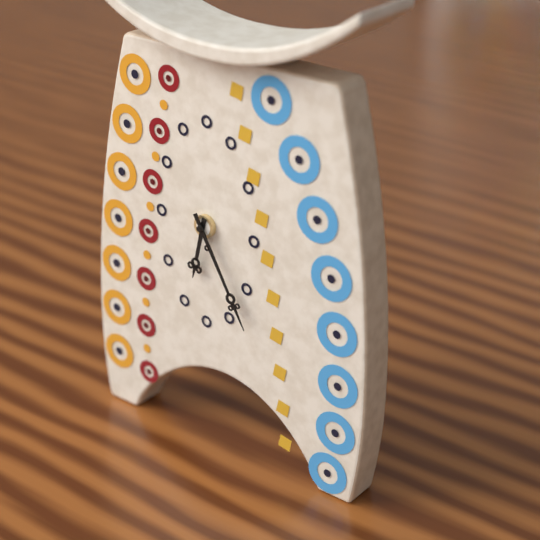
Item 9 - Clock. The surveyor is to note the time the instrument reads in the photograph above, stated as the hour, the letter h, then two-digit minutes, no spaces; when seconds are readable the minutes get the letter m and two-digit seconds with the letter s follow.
6h25
